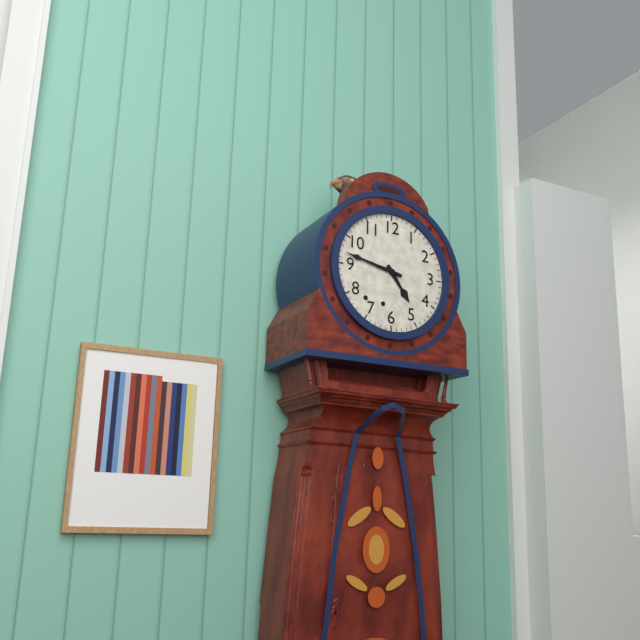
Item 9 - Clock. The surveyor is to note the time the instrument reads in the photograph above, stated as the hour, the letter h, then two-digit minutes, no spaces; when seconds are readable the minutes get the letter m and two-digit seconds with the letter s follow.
4h47
